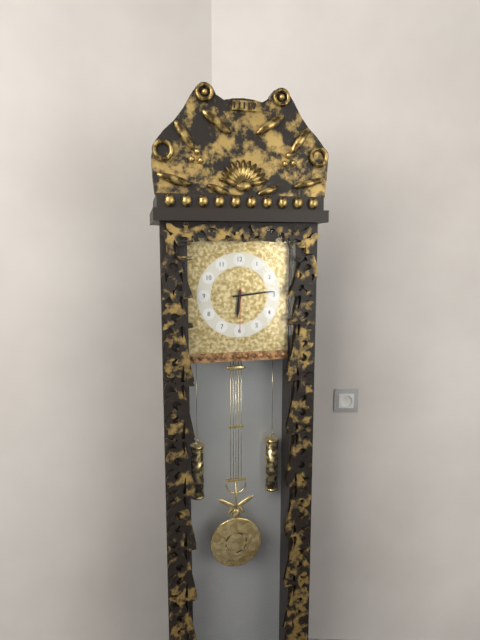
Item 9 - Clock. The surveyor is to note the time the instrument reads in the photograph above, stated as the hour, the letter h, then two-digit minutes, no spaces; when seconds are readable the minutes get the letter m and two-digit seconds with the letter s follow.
6h14
